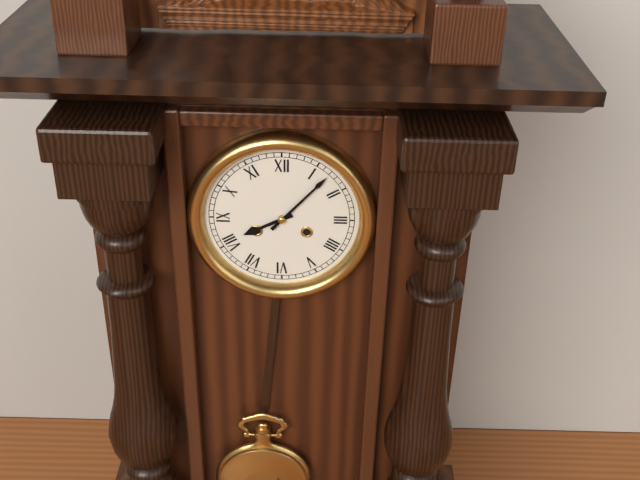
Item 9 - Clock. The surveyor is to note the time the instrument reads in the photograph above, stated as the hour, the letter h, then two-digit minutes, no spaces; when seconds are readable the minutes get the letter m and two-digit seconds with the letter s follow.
8h07
